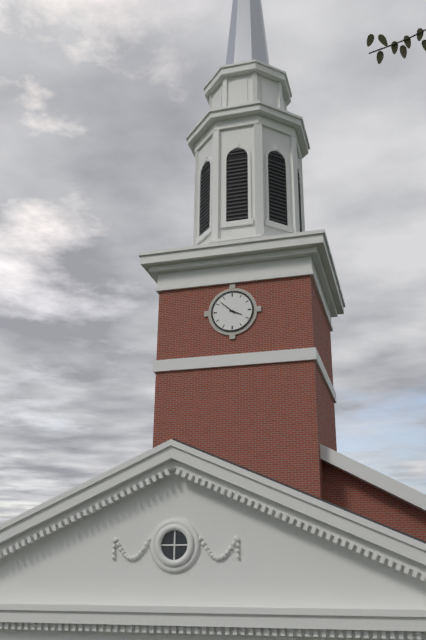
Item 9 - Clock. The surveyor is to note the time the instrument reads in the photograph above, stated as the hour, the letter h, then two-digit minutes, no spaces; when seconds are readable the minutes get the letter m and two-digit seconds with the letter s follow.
3h52
